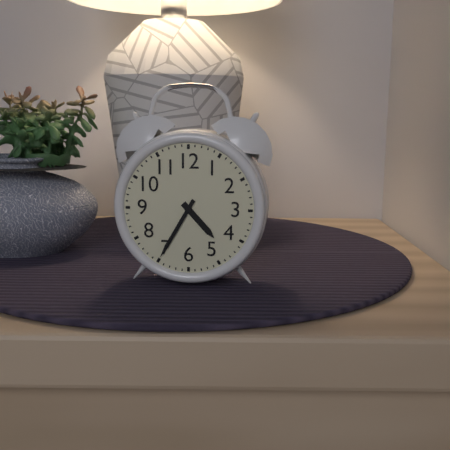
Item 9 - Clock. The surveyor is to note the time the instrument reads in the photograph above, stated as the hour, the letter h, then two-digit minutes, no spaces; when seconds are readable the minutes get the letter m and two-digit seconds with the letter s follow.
4h35
